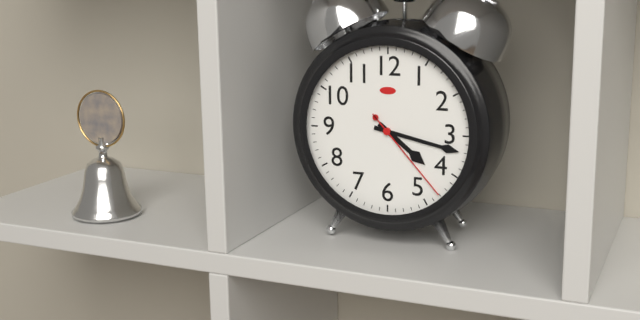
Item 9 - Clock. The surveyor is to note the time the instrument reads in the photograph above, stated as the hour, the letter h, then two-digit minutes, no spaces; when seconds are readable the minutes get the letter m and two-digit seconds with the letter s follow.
4h17m23s
